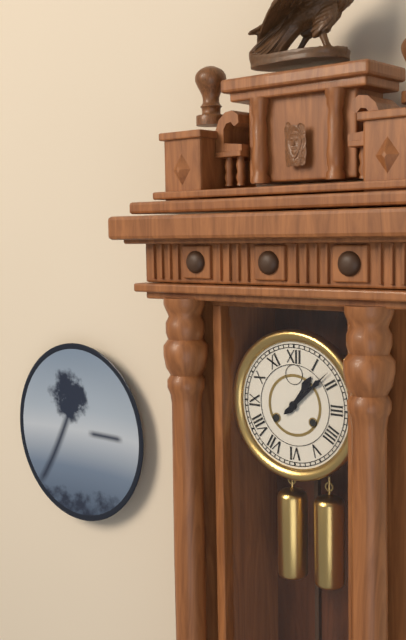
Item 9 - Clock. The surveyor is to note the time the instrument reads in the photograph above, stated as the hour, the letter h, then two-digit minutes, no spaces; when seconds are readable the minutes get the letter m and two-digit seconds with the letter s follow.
1h08
